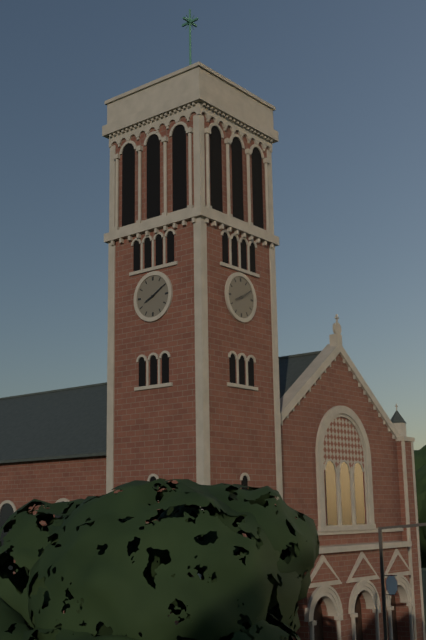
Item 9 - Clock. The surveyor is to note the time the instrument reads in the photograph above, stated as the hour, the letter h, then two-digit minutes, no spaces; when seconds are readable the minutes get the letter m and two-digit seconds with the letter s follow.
8h10
